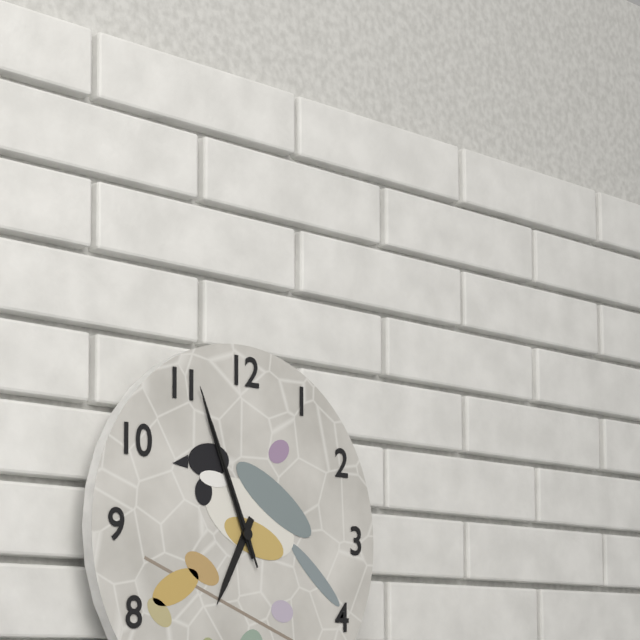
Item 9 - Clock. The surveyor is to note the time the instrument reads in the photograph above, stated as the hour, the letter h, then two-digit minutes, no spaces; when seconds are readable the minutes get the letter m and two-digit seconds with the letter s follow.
6h56m56s
